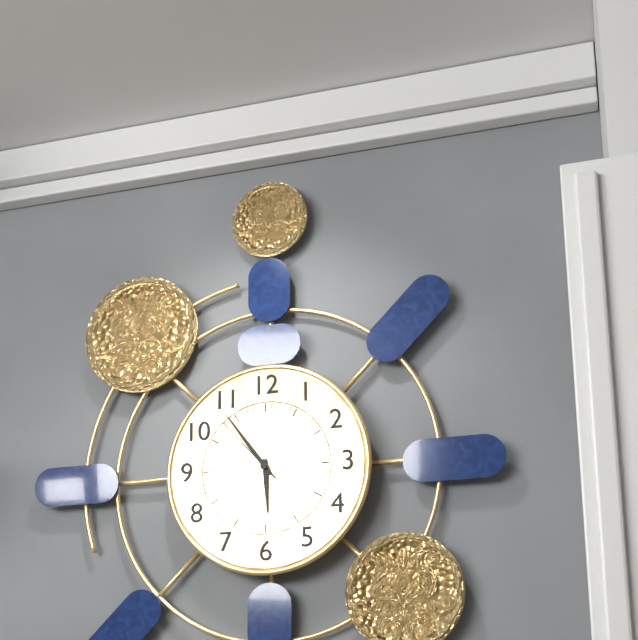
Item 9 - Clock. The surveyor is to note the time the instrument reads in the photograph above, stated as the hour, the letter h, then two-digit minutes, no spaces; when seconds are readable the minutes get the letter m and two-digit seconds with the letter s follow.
5h54m53s
